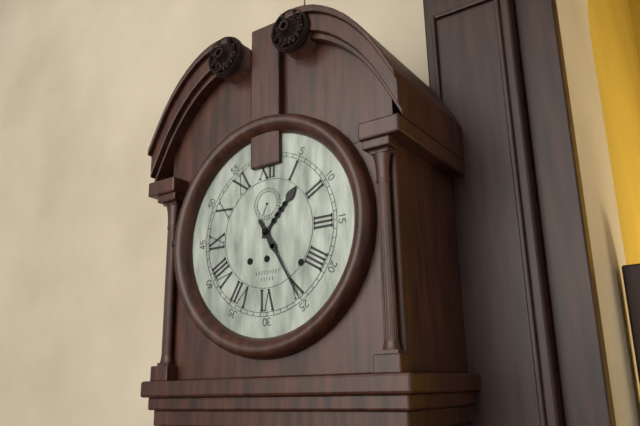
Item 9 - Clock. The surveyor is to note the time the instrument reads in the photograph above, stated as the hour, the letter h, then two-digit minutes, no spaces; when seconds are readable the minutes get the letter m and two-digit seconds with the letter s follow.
1h25
